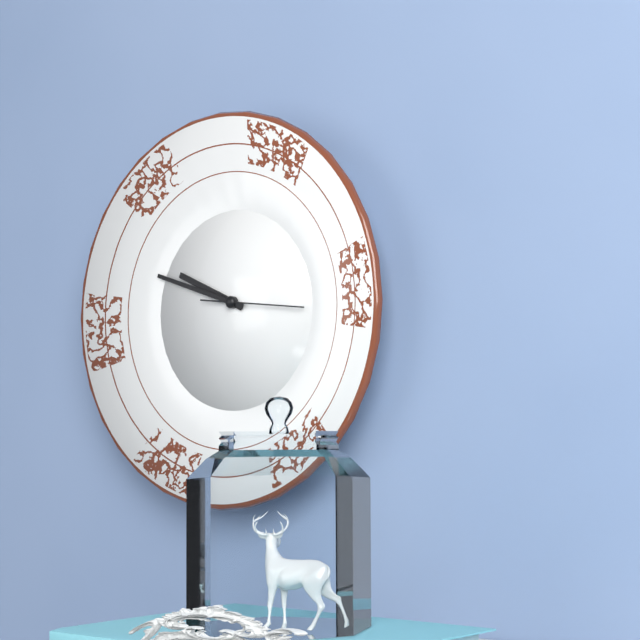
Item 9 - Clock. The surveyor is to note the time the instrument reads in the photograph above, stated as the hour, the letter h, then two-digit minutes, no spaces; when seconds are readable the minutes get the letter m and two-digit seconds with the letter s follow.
9h48m16s
